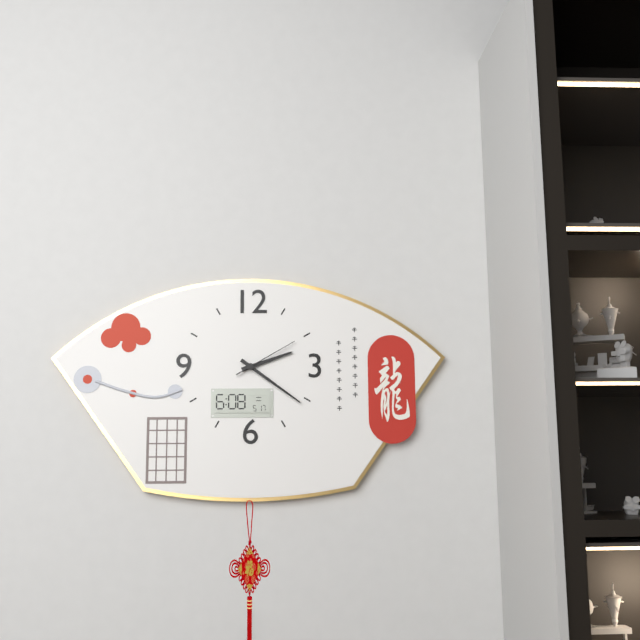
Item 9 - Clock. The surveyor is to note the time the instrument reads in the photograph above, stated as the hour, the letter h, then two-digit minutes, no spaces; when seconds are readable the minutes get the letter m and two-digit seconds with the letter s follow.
2h21m10s
